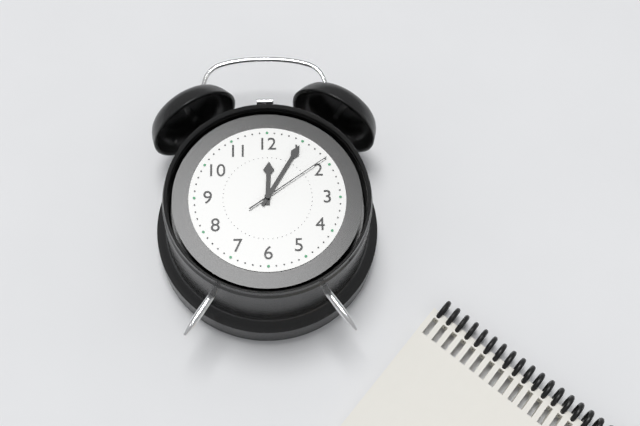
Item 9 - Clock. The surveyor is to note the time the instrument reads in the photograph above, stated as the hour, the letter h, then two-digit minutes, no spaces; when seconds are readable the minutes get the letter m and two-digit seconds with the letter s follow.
12h05m09s
